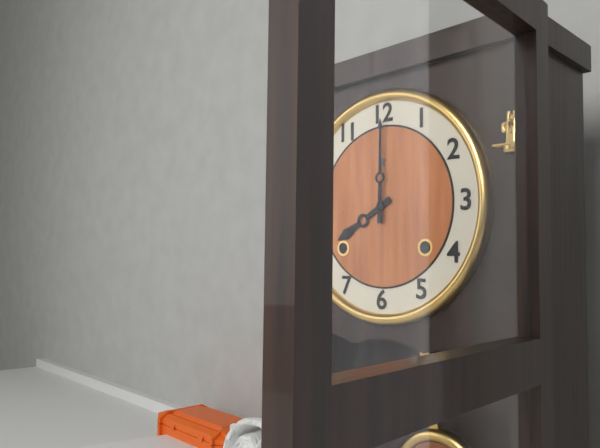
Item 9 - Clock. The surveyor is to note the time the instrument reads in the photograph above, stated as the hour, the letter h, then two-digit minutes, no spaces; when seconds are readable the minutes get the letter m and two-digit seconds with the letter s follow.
8h00
